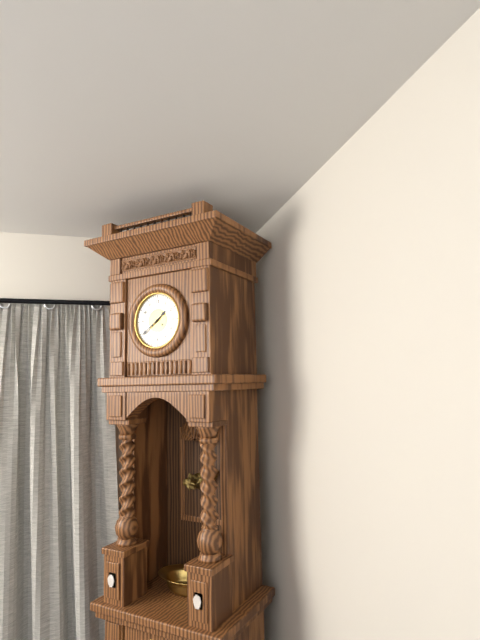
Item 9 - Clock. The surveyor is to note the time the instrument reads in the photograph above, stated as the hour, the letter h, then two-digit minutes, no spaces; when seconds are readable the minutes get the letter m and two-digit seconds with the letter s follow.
1h39
